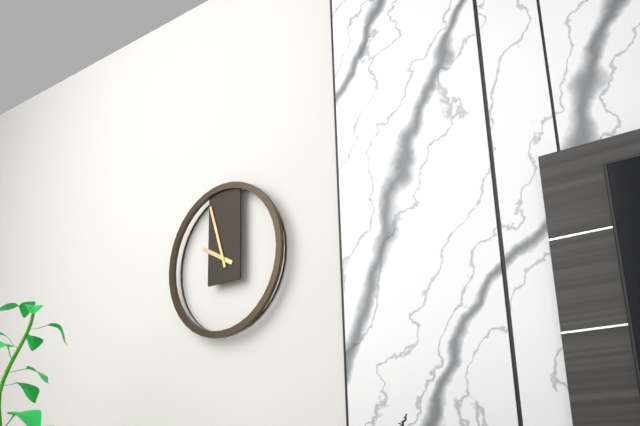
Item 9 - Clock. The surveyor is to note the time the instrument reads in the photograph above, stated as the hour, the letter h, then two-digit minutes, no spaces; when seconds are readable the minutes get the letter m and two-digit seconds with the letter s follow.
9h57
